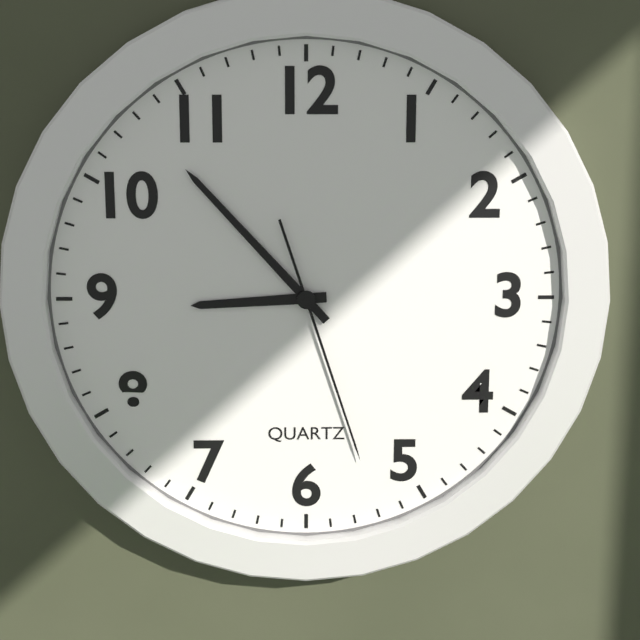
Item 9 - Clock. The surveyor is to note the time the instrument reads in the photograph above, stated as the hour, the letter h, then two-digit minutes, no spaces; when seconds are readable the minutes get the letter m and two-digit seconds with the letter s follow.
8h53m27s
